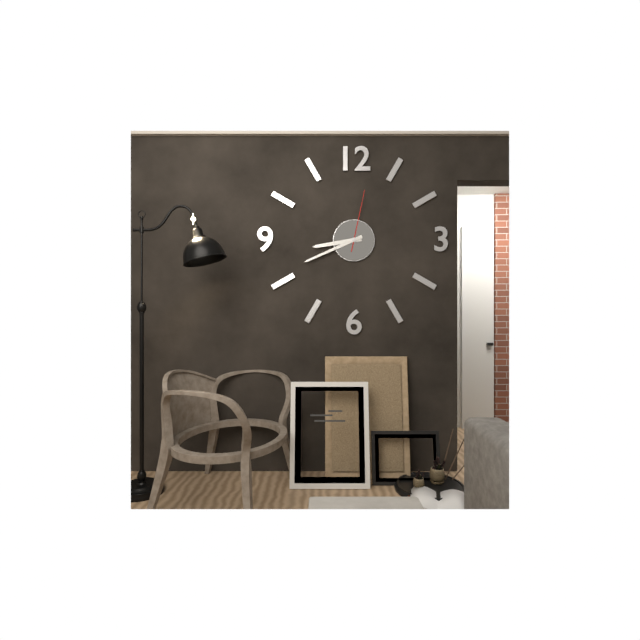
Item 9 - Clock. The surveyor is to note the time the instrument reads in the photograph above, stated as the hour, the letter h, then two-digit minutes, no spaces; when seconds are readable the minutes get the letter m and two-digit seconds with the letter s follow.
8h41m02s
